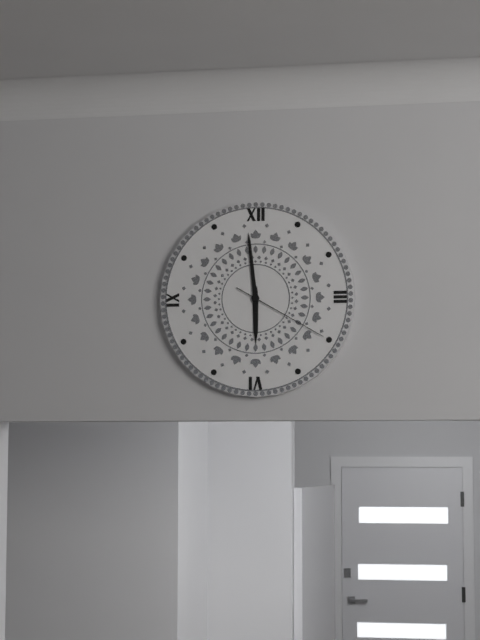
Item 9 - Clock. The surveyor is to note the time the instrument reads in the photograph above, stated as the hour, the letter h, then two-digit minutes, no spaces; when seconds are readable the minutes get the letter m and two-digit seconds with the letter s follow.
5h59m20s
